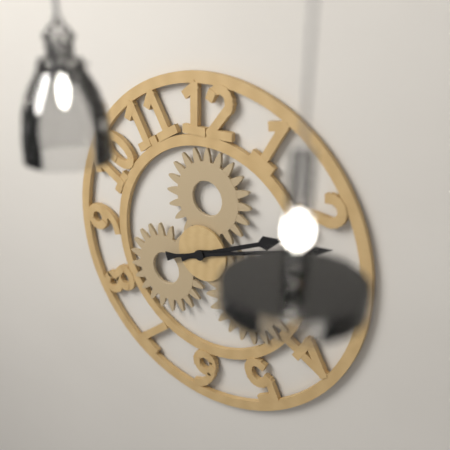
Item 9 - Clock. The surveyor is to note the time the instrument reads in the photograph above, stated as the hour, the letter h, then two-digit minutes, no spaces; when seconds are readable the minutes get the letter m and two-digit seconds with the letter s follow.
2h12
